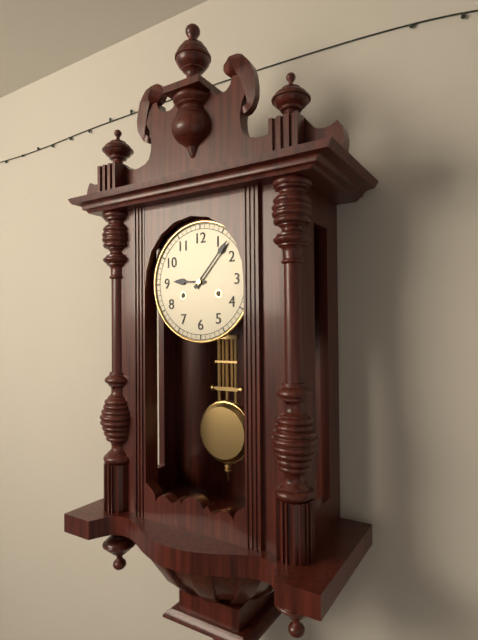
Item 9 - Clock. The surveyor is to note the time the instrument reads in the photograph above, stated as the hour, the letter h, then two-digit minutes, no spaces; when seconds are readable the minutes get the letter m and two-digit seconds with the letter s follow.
9h07
